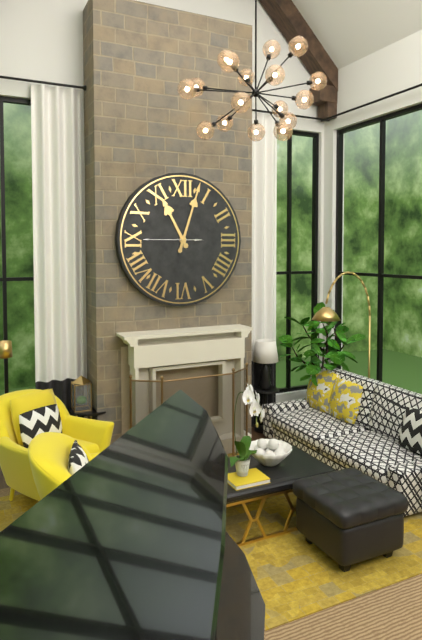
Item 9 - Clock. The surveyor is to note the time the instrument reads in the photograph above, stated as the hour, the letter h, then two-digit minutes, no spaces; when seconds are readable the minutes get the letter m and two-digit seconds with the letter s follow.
11h03
